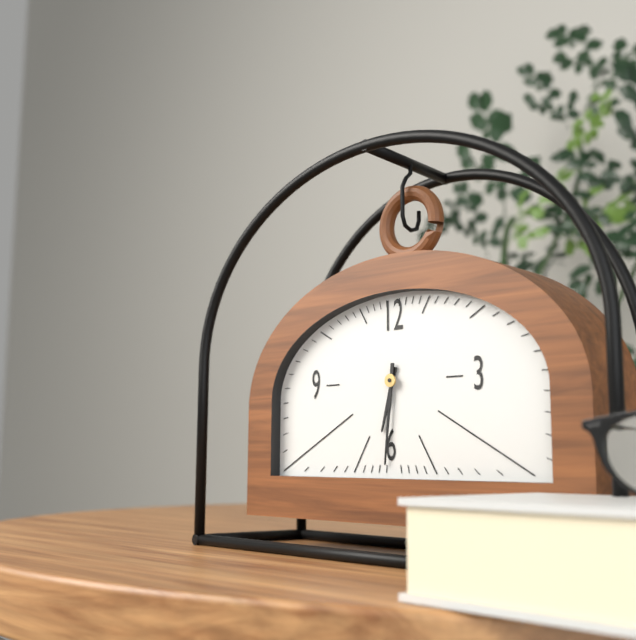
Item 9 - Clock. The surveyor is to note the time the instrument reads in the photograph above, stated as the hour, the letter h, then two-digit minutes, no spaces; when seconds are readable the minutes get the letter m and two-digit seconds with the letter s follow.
6h31
